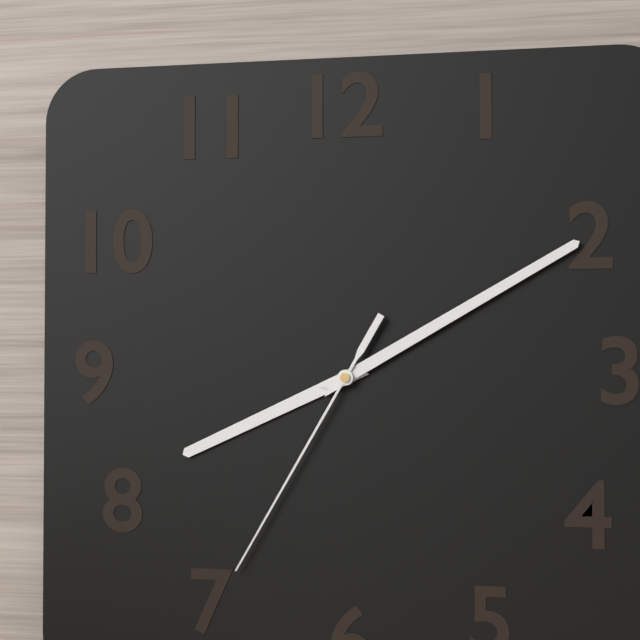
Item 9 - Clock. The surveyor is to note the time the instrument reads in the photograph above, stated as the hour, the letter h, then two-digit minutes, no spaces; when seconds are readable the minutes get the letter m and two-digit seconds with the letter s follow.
8h10m35s
